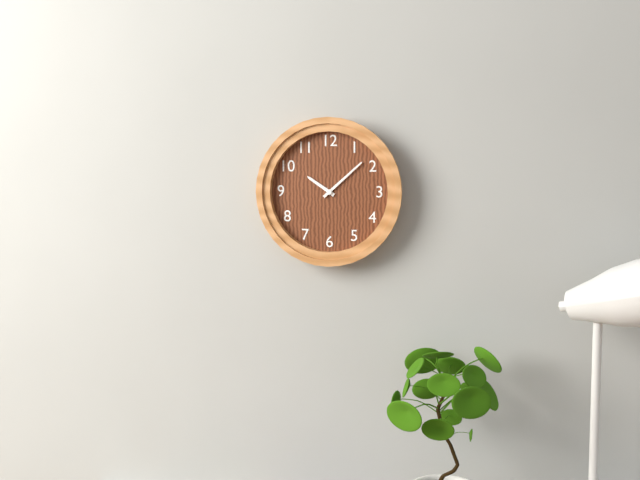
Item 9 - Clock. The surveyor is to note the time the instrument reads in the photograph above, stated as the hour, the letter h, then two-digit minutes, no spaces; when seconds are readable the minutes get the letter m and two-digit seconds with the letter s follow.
10h08
